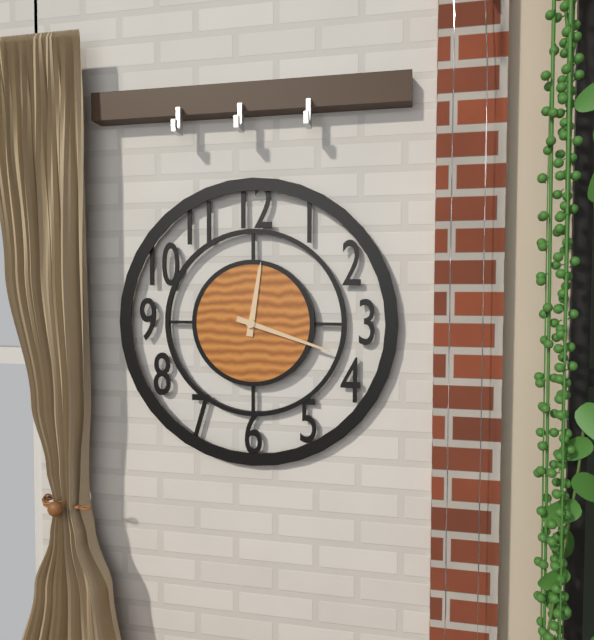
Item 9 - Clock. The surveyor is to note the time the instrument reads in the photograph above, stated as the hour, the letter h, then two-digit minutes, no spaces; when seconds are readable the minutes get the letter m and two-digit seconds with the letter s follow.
12h18
